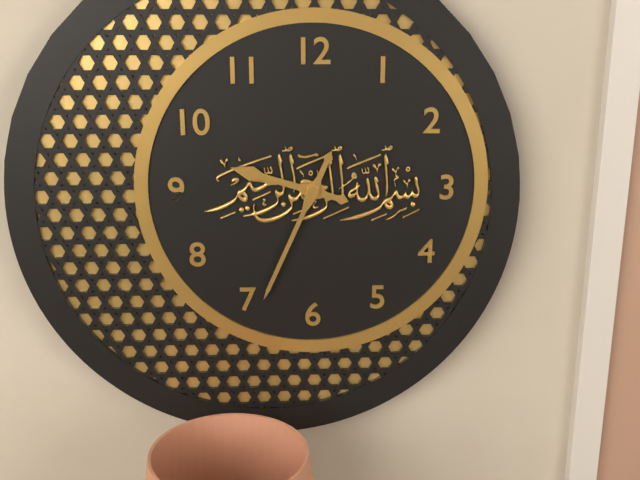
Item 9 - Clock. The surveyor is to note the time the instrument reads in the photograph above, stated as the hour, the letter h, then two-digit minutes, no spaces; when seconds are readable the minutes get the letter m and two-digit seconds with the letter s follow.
9h34
